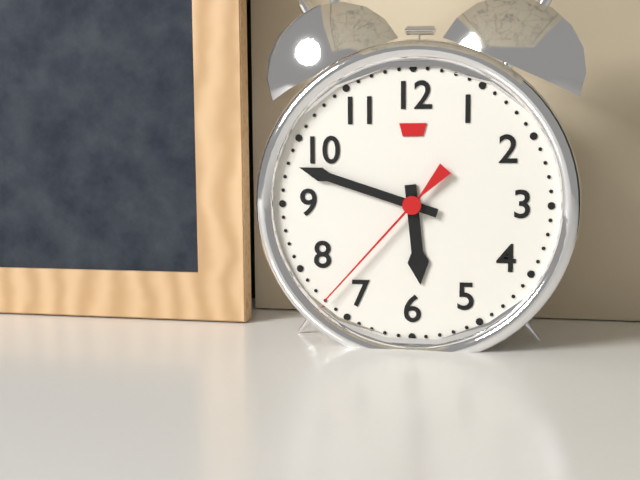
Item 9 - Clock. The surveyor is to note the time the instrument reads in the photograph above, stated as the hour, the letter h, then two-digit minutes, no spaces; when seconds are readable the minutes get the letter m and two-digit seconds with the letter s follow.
5h48m37s
